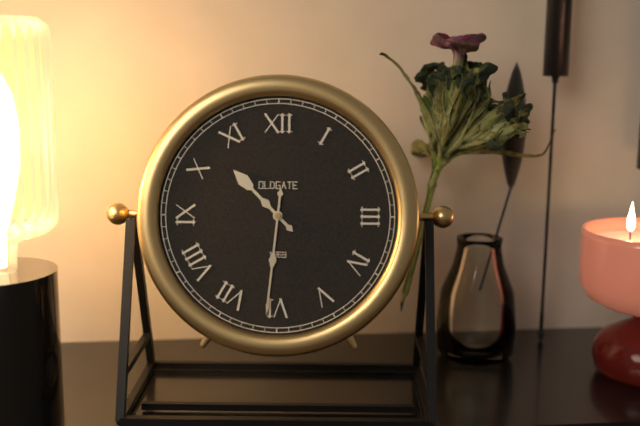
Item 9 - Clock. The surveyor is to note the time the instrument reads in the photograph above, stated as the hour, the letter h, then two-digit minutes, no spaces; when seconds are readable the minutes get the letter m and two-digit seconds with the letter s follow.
10h31
